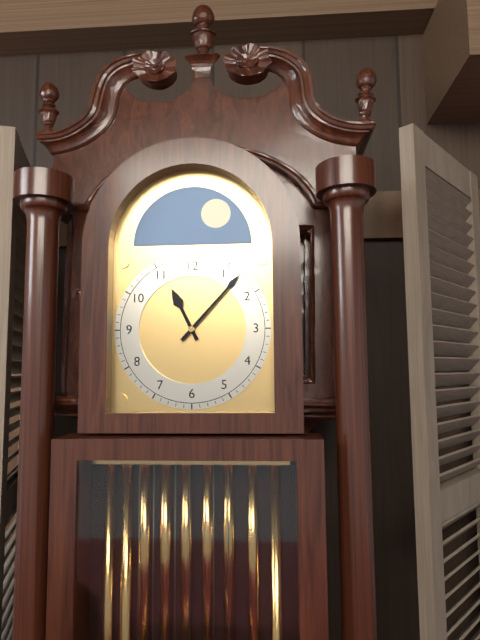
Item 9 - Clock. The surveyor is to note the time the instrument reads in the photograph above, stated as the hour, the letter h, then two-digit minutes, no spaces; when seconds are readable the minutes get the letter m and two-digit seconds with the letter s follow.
11h07
